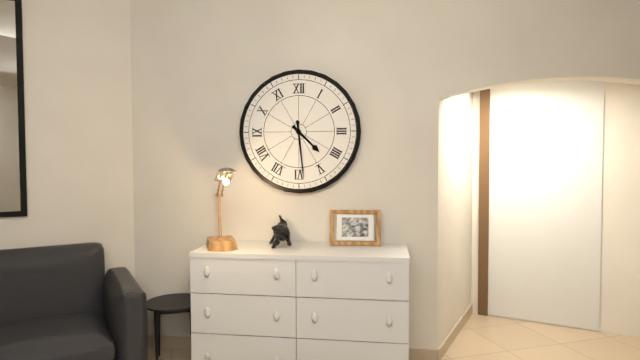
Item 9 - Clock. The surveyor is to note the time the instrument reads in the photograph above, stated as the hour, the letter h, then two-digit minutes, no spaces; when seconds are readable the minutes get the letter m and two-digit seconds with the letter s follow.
4h29
